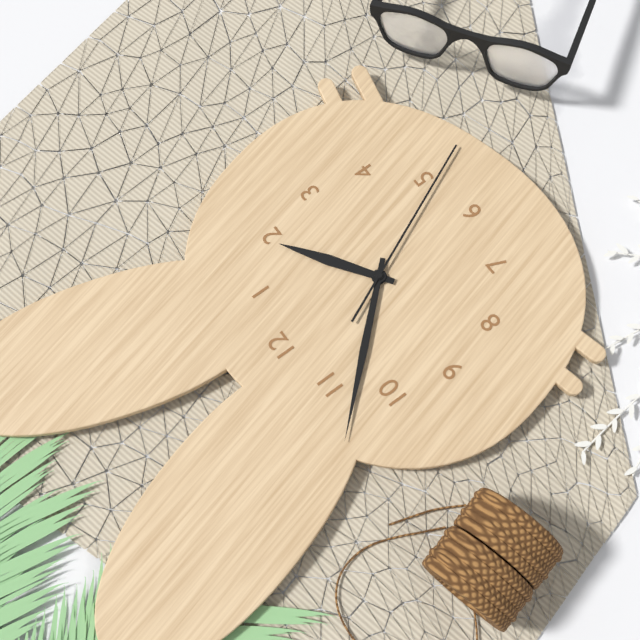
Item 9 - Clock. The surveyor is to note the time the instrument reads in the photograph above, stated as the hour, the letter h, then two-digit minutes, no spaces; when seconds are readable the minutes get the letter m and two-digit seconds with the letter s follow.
1h53m26s
